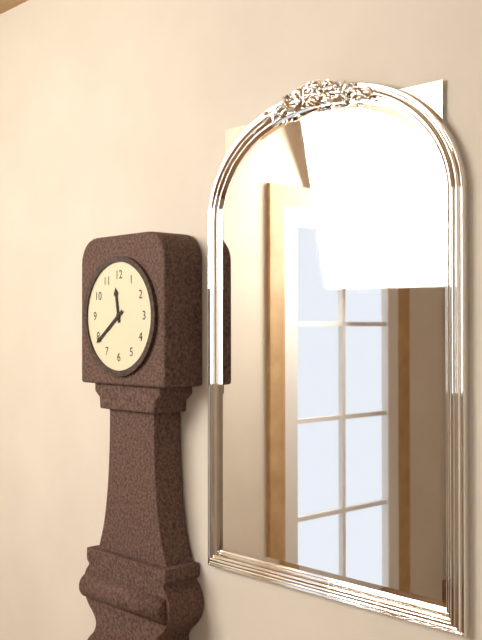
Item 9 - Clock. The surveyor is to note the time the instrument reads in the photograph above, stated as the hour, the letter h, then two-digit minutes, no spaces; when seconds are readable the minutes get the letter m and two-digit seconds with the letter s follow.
11h39
